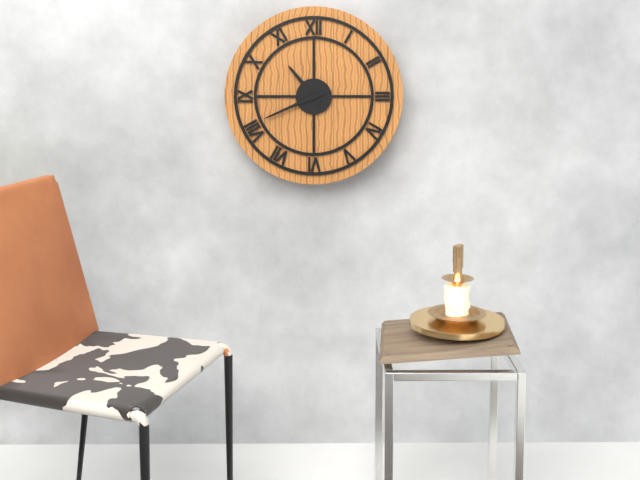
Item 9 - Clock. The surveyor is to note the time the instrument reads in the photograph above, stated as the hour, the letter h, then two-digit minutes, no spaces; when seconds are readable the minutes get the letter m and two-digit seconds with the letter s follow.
10h41
